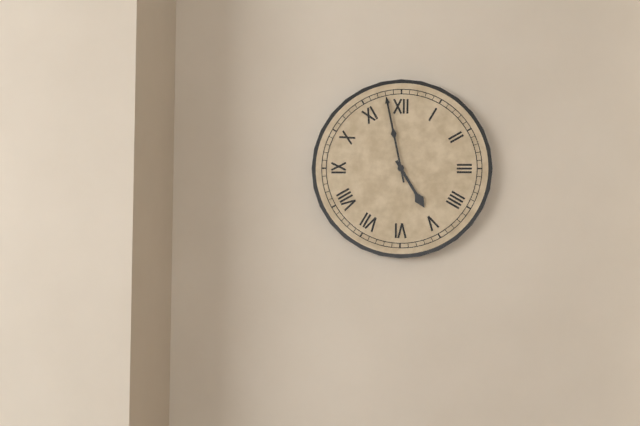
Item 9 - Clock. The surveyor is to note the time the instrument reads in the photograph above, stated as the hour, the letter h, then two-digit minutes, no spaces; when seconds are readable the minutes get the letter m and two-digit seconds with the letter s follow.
4h58
